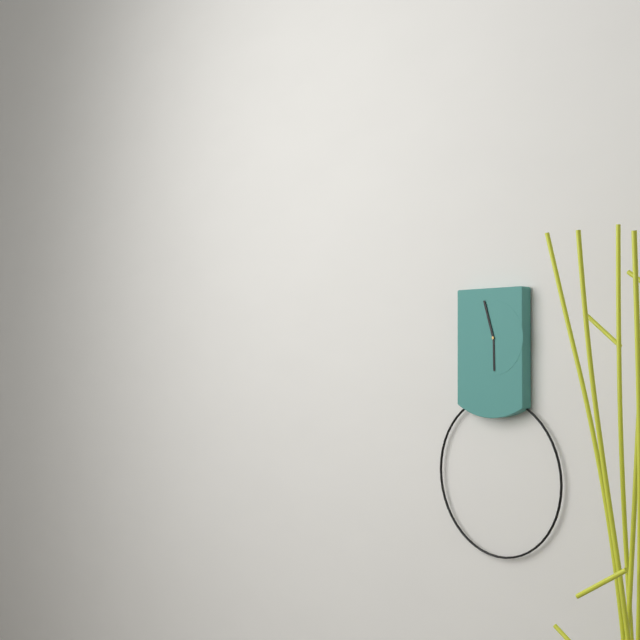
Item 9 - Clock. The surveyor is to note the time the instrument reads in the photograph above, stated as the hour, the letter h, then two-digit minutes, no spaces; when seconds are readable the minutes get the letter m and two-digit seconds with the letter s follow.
5h57
